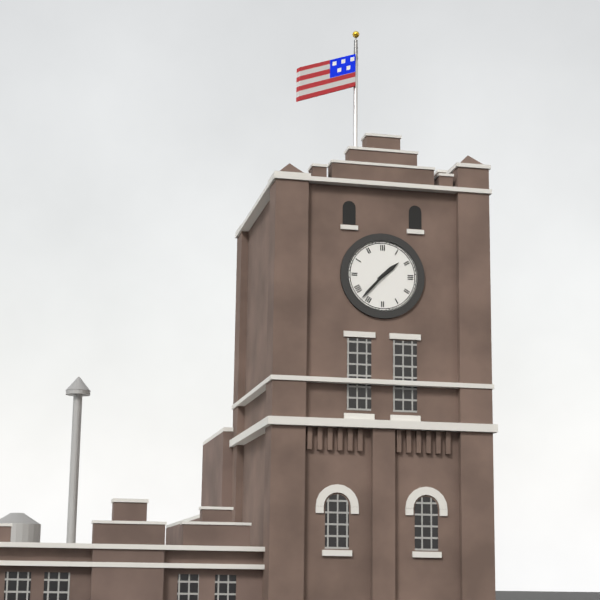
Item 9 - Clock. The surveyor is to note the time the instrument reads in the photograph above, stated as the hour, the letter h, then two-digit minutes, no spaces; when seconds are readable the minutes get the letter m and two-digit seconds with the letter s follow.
1h37
